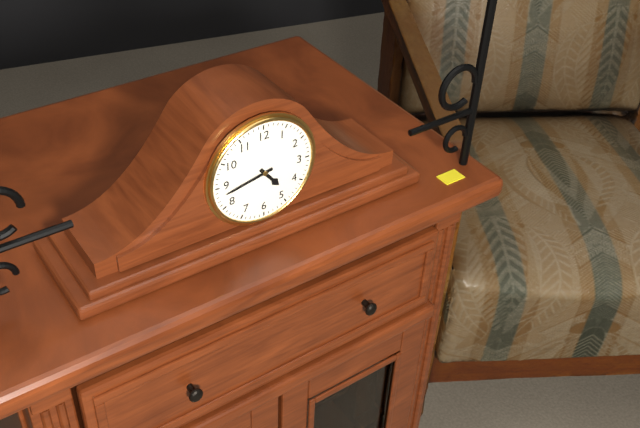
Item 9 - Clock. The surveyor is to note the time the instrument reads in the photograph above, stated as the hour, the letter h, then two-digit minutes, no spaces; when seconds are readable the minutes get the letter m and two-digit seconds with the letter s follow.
4h43
